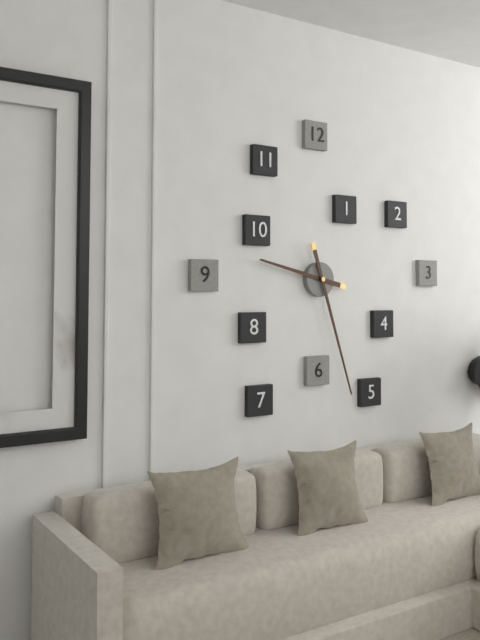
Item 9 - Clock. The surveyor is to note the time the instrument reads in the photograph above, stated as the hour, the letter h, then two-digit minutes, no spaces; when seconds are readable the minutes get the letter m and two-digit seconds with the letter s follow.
9h27
